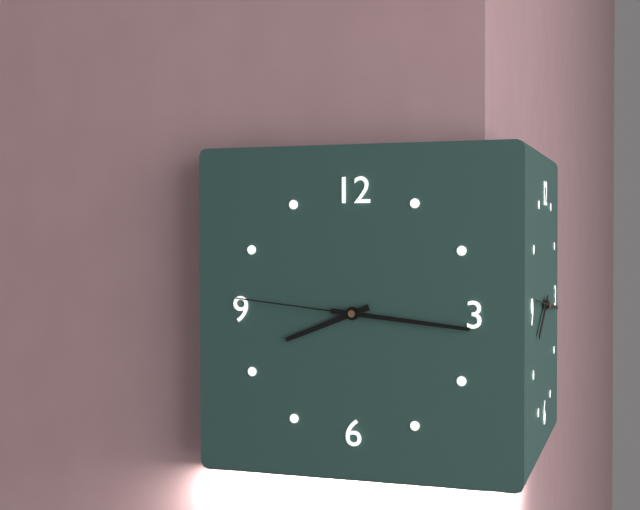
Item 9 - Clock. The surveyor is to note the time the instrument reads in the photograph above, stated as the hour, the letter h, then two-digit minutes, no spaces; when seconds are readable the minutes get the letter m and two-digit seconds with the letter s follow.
8h16m46s
